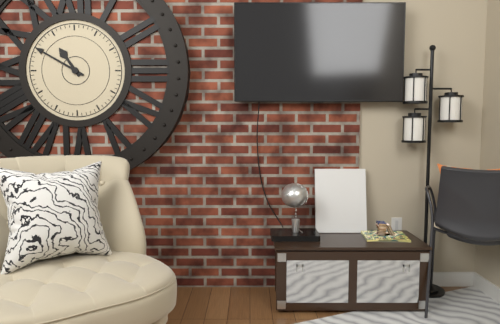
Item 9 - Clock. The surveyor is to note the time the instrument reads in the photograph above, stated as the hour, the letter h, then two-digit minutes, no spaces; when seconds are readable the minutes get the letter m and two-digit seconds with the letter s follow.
10h50
